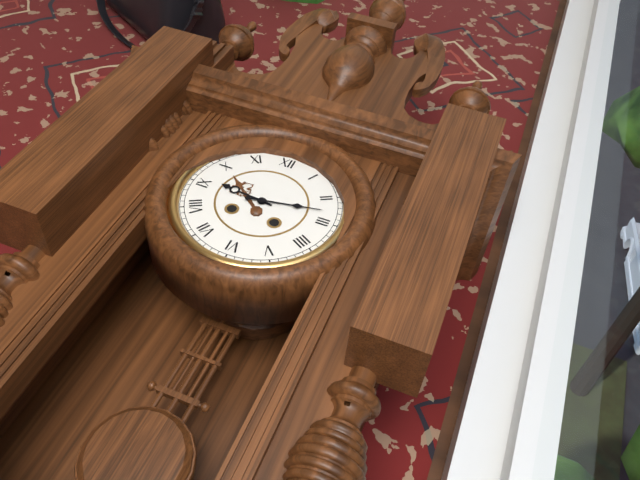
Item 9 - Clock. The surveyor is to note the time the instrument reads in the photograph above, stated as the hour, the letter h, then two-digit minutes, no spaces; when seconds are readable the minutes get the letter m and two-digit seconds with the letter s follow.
9h13
